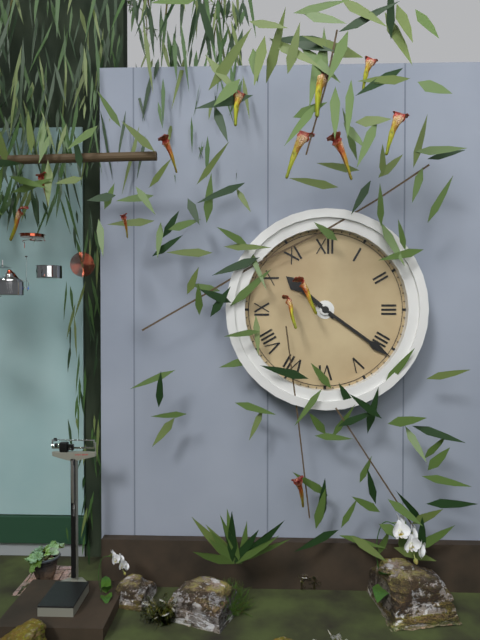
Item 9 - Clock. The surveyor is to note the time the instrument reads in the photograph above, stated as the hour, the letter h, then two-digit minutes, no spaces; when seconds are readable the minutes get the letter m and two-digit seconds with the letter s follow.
10h21
